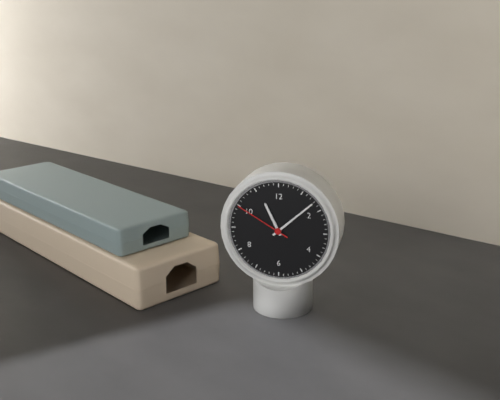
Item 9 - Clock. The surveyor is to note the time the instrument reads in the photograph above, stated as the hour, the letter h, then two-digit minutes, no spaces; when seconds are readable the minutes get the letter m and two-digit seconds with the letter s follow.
11h08m50s
